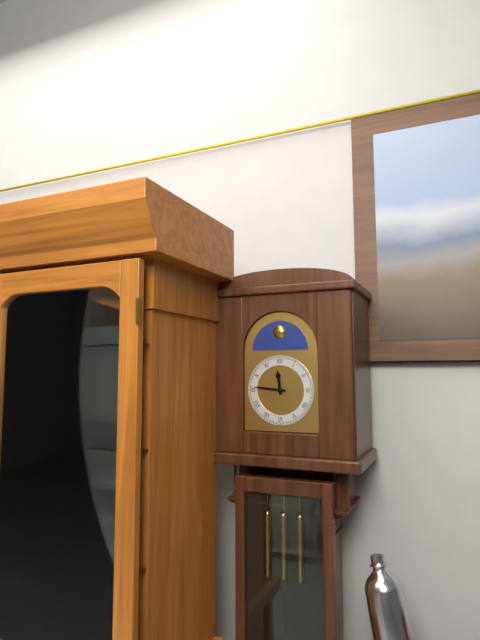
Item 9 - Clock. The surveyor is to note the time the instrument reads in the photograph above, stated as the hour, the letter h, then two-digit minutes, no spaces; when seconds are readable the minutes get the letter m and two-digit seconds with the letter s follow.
11h46
